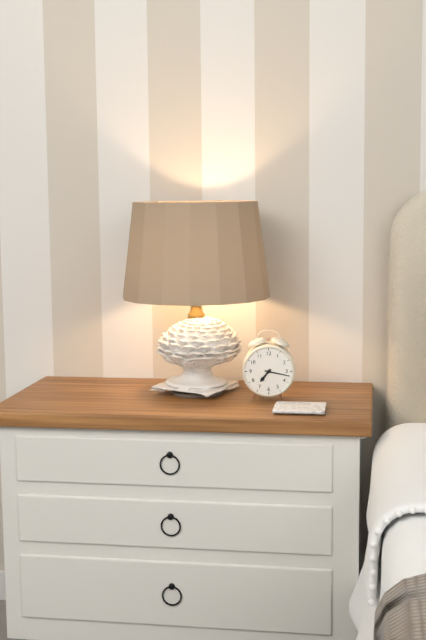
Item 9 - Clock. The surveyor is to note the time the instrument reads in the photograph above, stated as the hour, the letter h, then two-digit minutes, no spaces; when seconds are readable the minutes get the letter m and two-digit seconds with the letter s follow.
7h17
